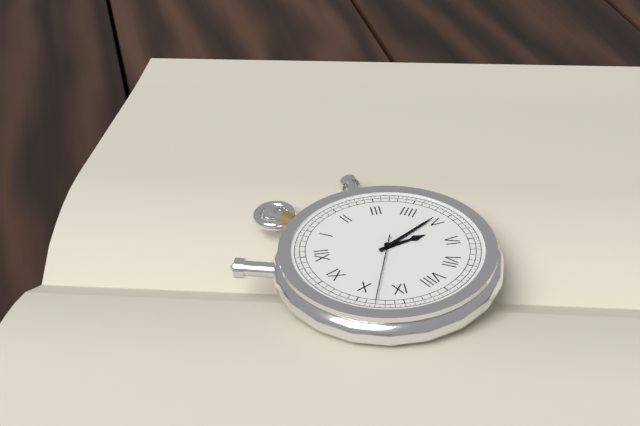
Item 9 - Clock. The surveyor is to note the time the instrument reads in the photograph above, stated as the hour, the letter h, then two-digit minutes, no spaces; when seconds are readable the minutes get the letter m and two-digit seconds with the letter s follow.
5h24m48s
